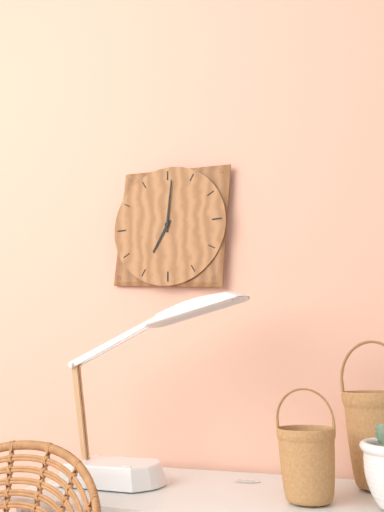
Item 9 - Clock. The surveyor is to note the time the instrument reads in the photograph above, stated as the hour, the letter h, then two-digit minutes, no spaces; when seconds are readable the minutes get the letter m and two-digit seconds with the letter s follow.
7h01
